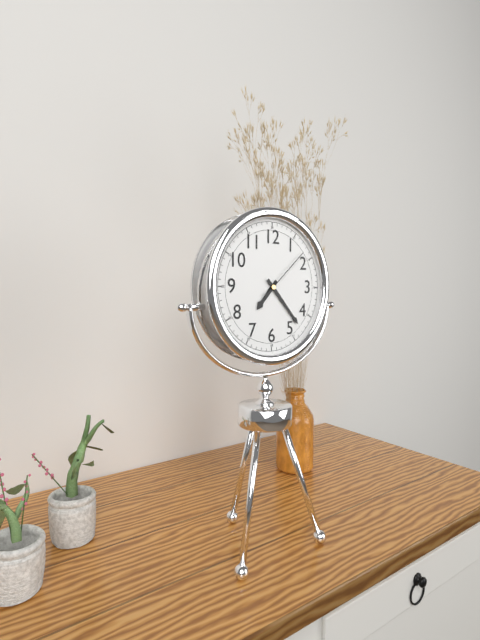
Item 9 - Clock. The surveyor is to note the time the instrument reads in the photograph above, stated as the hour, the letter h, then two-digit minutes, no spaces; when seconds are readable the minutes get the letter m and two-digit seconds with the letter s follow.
7h23m08s
